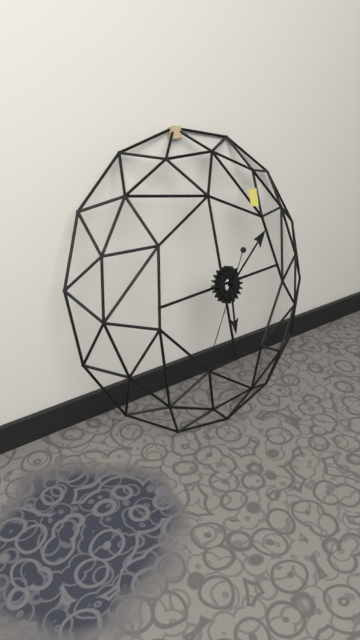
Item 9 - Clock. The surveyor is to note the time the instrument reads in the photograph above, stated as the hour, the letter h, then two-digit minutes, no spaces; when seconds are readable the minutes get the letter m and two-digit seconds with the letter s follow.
6h09m36s
